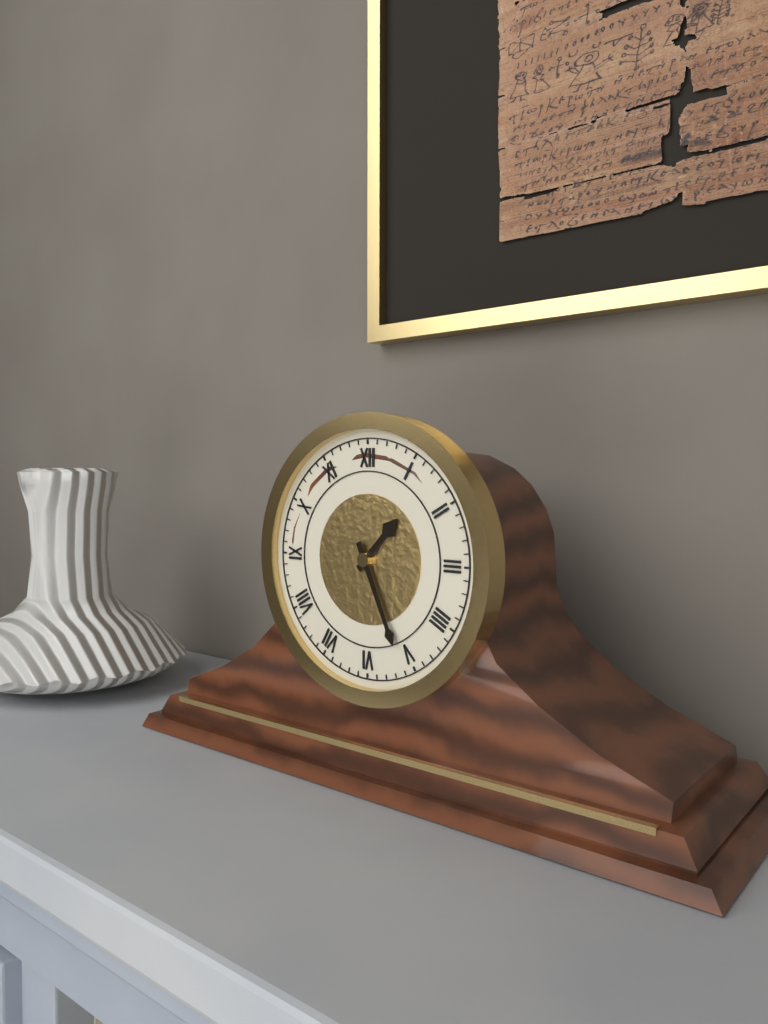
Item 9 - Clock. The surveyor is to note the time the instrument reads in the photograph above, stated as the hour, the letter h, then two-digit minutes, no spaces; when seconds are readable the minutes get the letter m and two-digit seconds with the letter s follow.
1h26
